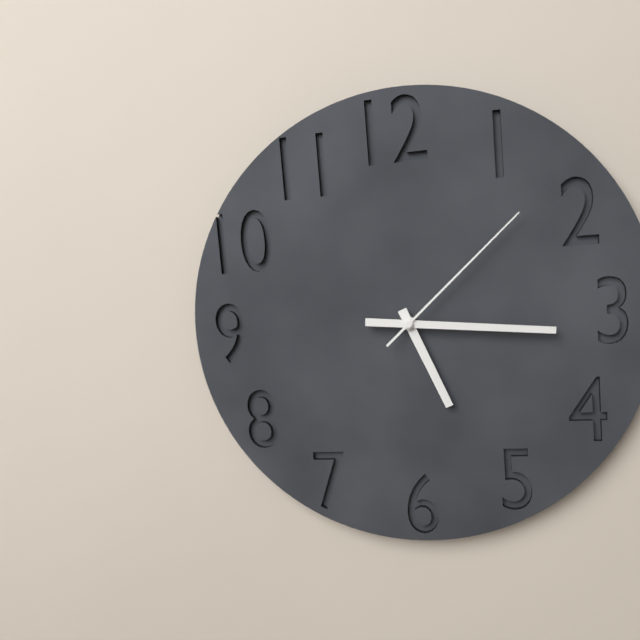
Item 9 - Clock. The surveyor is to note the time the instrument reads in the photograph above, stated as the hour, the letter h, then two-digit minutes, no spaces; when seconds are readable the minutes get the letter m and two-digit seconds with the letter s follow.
5h16m08s
